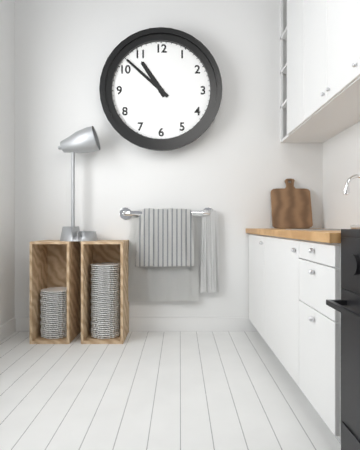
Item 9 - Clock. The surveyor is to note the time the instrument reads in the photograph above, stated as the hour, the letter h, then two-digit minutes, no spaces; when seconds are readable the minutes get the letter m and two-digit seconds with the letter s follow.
10h52
